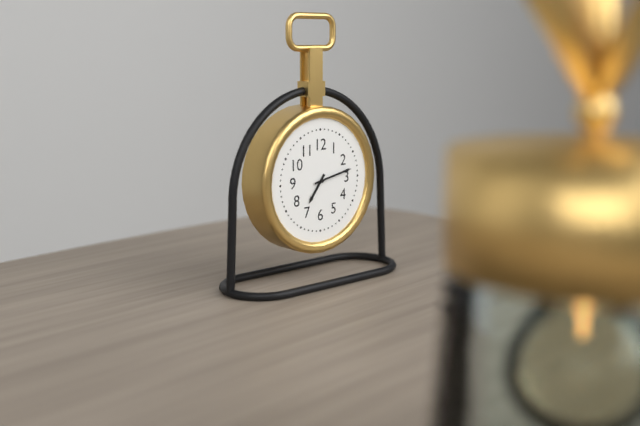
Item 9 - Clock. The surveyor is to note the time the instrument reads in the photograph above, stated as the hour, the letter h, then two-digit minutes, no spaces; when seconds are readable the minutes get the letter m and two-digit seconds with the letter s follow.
7h13
